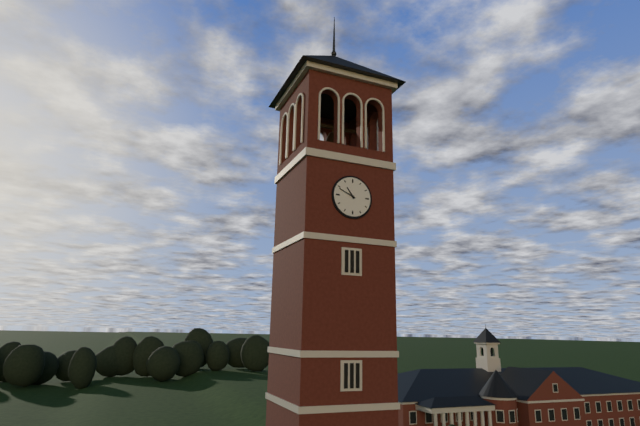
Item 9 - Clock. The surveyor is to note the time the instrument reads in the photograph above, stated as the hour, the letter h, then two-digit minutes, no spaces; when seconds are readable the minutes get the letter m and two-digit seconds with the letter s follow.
10h49
